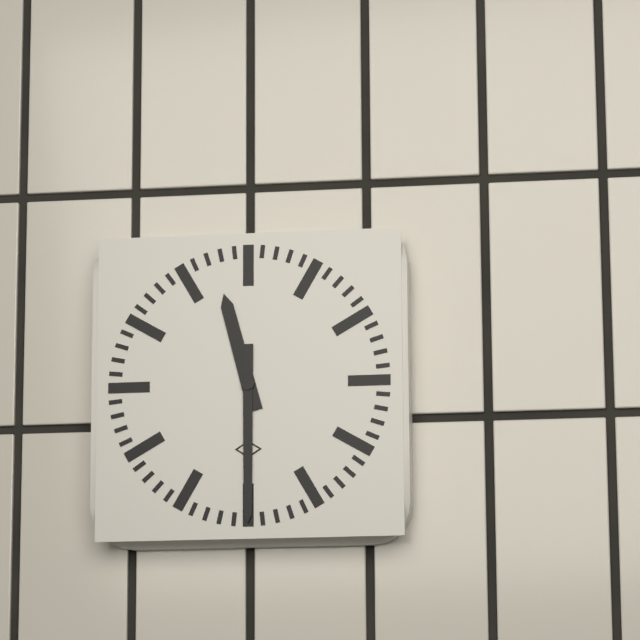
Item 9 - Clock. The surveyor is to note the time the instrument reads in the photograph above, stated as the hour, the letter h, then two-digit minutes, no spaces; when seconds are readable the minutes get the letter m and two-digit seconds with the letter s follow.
11h30
